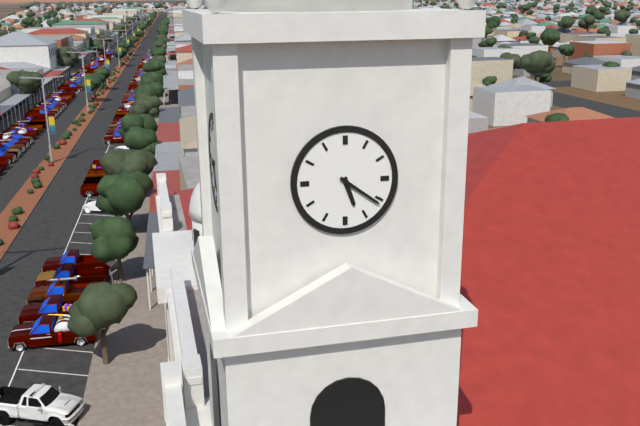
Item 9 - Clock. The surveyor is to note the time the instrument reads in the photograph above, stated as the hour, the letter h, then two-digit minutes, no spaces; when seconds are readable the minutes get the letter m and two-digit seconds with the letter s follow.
5h21
